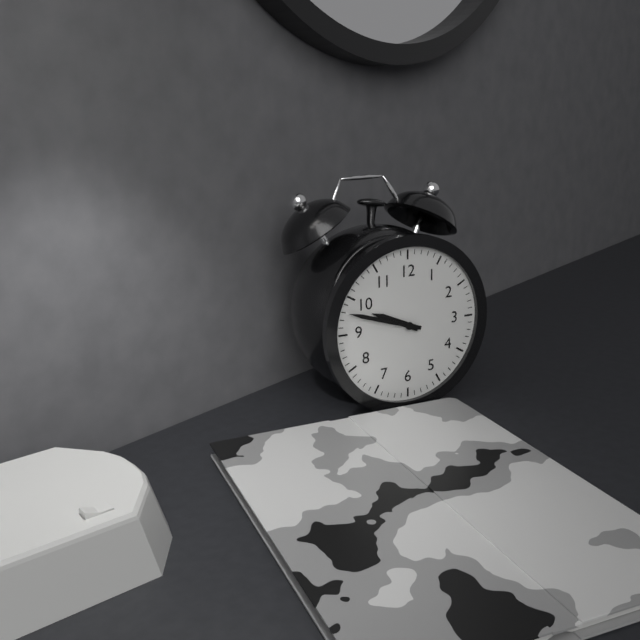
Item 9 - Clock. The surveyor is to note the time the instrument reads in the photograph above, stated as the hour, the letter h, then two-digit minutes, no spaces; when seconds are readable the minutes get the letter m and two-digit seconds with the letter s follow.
9h48
